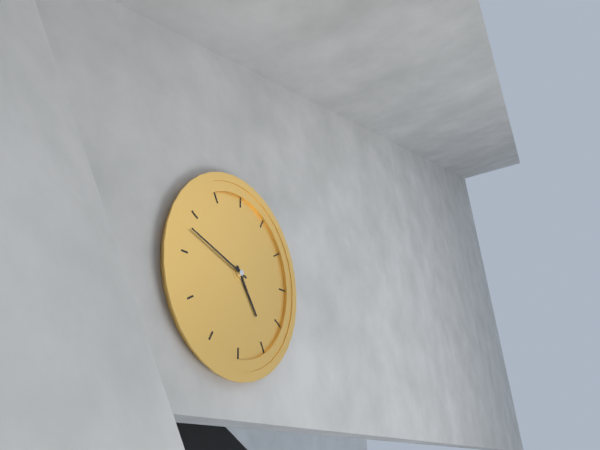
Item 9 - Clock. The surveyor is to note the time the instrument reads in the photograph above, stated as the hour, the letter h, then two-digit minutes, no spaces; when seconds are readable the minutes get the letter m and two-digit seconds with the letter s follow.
4h48
